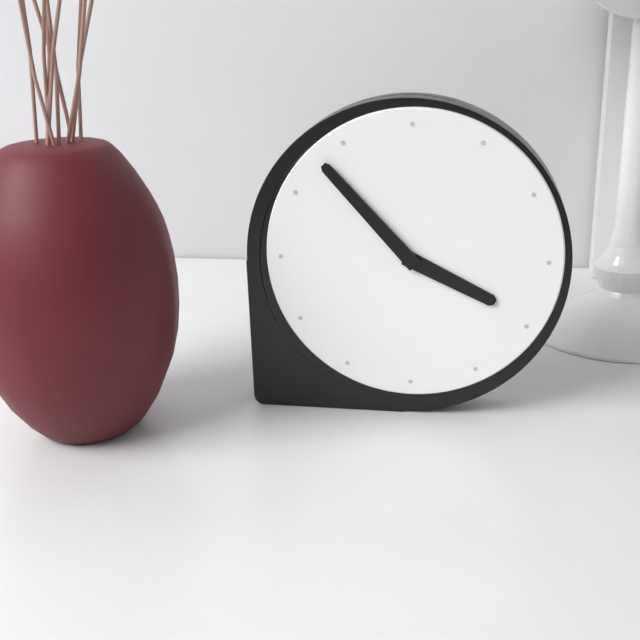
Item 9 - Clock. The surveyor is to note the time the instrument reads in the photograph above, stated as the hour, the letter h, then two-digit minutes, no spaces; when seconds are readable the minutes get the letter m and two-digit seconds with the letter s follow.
3h53
